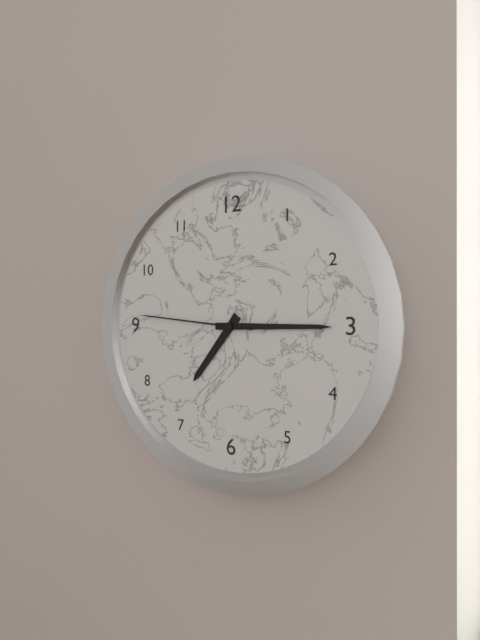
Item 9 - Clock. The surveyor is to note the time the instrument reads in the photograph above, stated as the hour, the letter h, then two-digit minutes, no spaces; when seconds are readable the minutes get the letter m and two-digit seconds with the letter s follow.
7h15m46s
